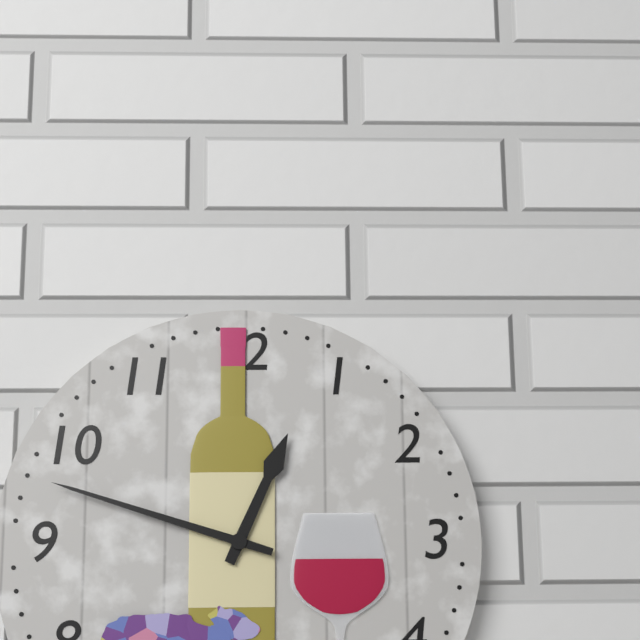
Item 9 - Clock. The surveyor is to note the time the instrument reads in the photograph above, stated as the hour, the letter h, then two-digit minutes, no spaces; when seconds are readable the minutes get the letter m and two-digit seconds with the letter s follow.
12h48
